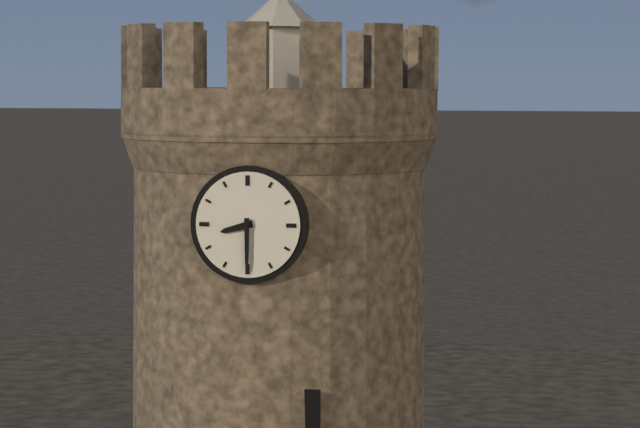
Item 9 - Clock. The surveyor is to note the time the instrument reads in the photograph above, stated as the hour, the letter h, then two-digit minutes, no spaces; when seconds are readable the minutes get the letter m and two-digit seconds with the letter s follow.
8h30
